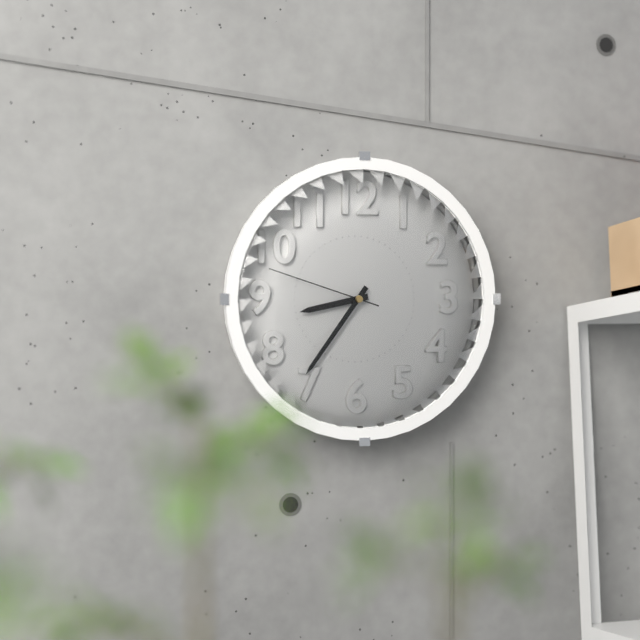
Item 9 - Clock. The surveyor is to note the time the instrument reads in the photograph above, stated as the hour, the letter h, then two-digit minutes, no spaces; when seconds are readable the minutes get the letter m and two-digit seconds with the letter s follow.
8h36m48s
